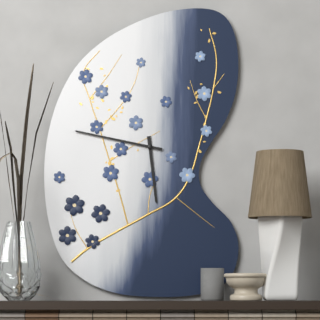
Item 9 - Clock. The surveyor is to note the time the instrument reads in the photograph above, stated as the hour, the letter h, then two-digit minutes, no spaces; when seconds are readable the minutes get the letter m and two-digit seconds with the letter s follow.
5h47
